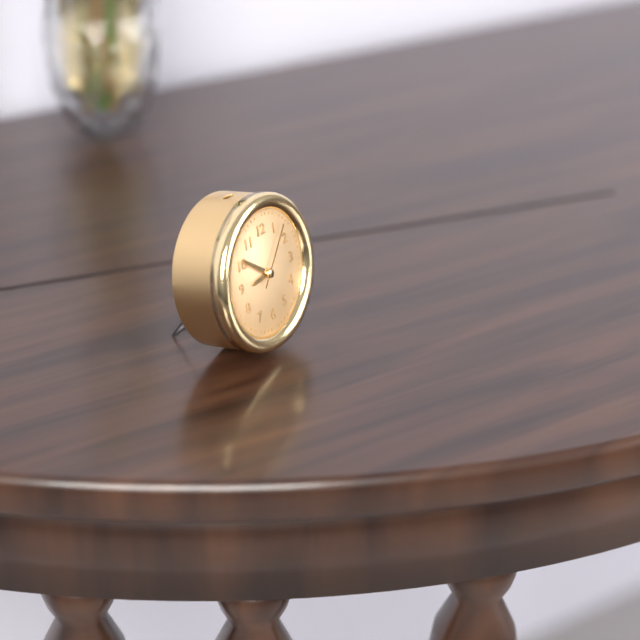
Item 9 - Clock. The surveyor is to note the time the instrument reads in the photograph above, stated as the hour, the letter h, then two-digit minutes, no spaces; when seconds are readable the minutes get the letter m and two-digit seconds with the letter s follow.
8h51m07s
